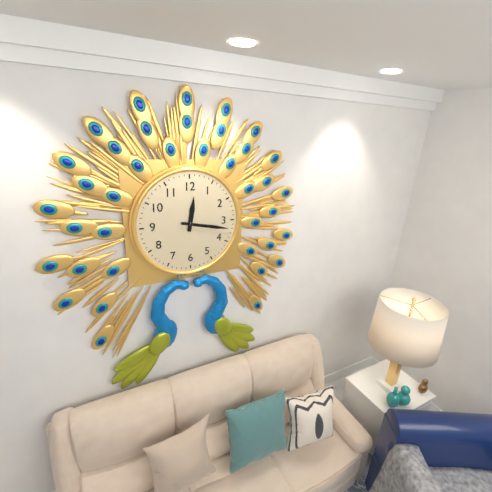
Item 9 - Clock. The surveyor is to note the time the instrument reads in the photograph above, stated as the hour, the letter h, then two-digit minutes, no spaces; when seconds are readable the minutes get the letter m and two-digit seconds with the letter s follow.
12h17
